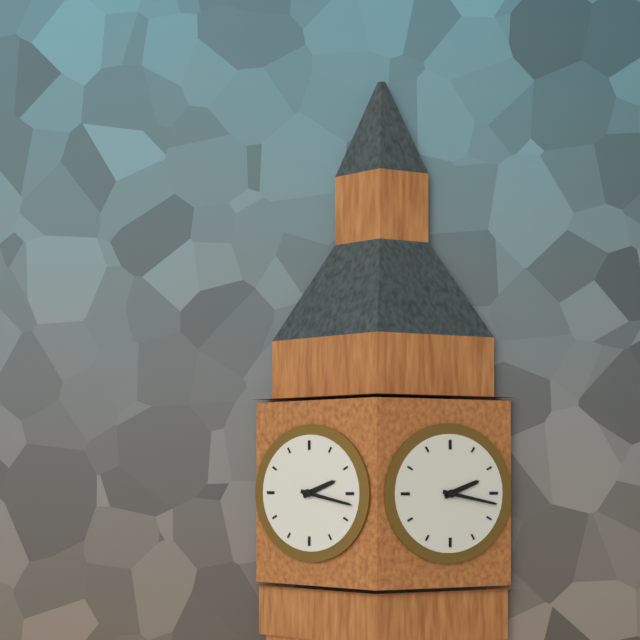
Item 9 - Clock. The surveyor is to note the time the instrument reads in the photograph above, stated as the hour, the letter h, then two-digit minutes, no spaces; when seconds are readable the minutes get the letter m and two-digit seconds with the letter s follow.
2h17
